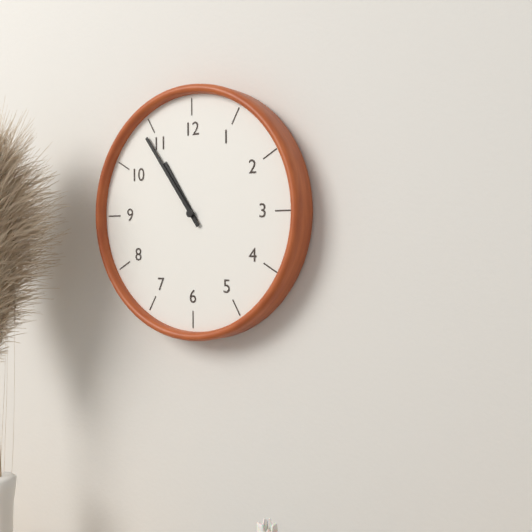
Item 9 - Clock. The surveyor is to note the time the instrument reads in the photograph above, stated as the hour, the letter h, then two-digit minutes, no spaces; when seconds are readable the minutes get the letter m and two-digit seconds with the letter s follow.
10h54
